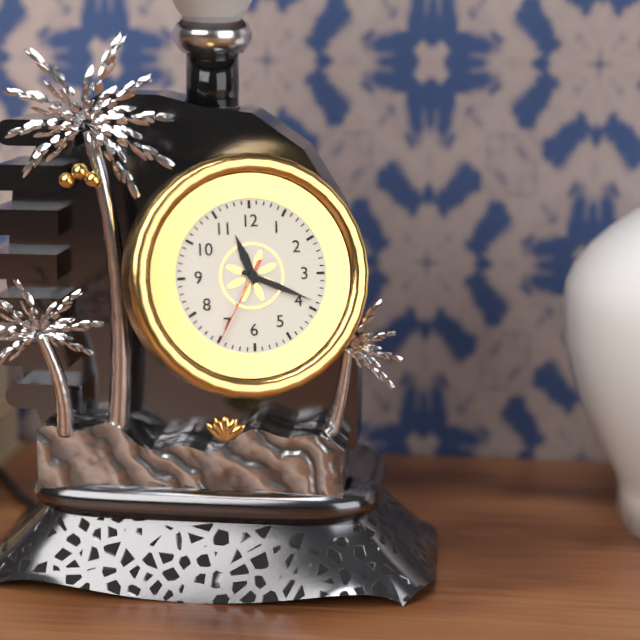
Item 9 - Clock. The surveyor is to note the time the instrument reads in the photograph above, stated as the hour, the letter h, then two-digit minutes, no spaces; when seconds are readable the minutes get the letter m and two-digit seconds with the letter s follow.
11h19m35s
